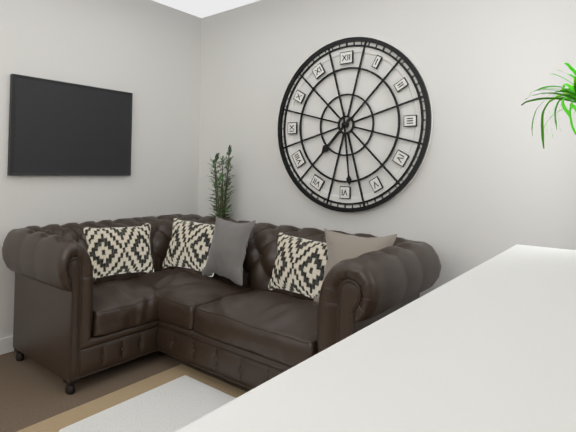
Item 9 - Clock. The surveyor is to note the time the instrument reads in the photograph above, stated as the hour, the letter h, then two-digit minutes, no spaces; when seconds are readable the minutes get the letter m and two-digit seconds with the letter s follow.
7h29
